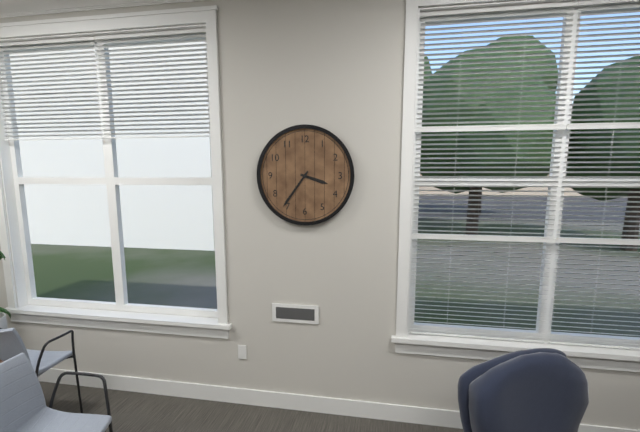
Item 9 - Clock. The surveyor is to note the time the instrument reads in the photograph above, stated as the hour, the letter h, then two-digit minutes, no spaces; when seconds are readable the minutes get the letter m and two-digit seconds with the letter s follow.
3h36
